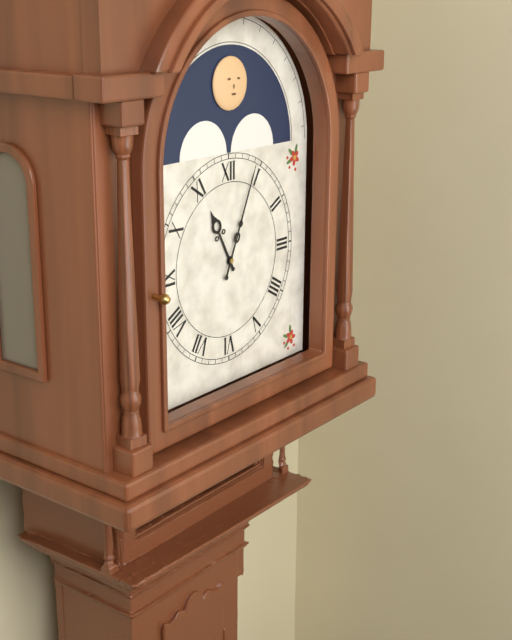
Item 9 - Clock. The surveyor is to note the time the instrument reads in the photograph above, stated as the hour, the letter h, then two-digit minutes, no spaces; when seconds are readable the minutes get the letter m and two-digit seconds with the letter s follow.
11h04
